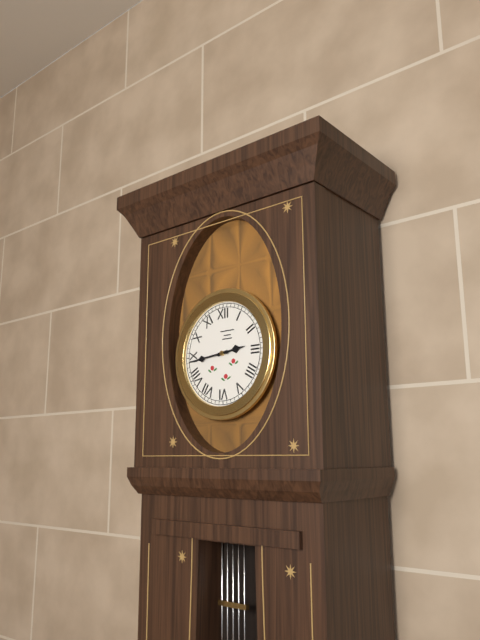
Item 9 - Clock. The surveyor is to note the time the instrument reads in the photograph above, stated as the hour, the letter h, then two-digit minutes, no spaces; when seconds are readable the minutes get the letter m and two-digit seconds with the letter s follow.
2h44
